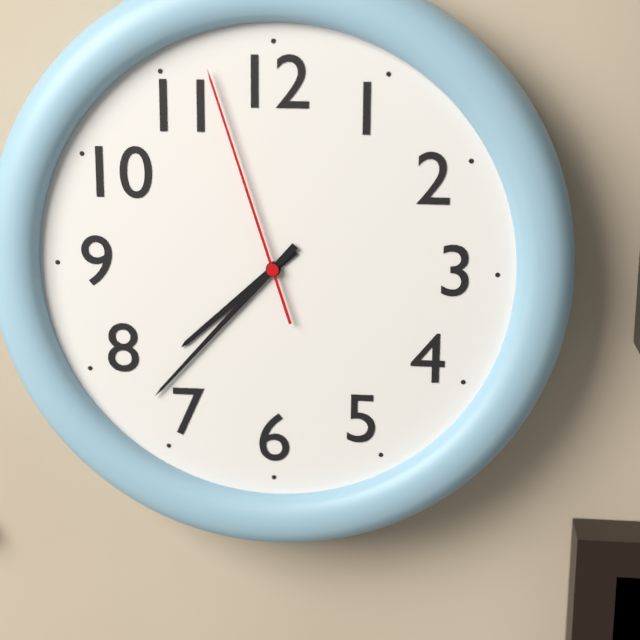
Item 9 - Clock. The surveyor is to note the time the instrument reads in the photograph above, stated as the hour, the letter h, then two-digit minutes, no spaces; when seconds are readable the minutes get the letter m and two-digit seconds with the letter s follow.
7h37m57s
